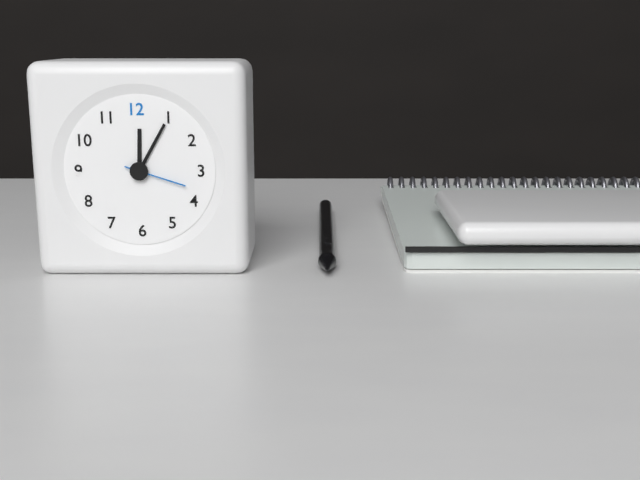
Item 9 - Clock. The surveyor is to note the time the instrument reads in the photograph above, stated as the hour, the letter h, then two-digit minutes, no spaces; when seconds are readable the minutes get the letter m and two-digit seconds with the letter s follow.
12h05m18s
